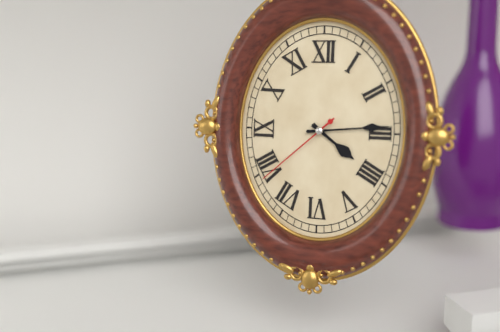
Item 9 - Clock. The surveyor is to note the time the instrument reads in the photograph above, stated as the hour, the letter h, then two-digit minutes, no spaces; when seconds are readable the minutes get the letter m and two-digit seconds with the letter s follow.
4h14m38s
